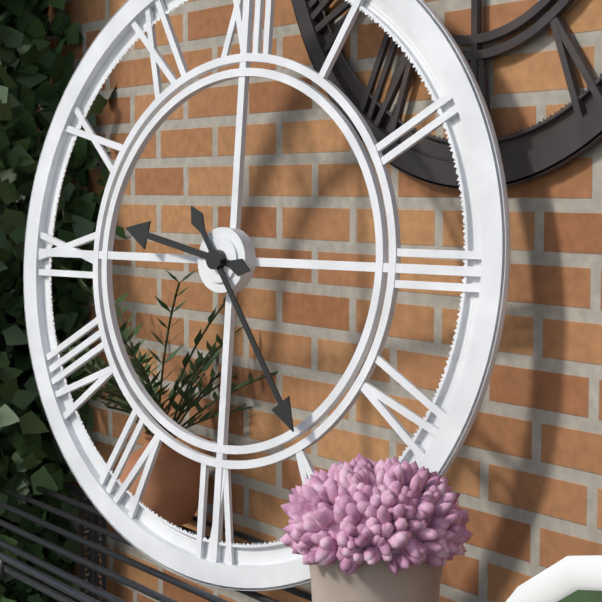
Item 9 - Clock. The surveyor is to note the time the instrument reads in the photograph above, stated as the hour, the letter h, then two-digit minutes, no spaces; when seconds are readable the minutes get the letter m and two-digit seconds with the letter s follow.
9h24
